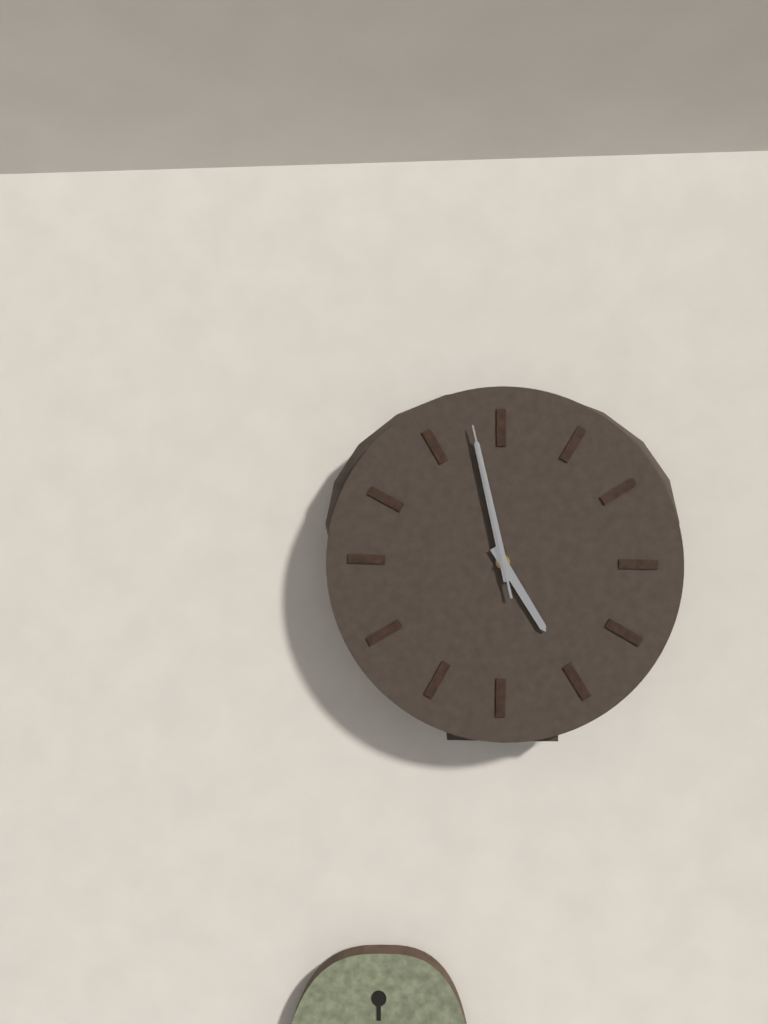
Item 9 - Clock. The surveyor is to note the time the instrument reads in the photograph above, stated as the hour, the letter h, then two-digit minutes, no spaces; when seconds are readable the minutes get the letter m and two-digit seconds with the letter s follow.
4h58m58s
